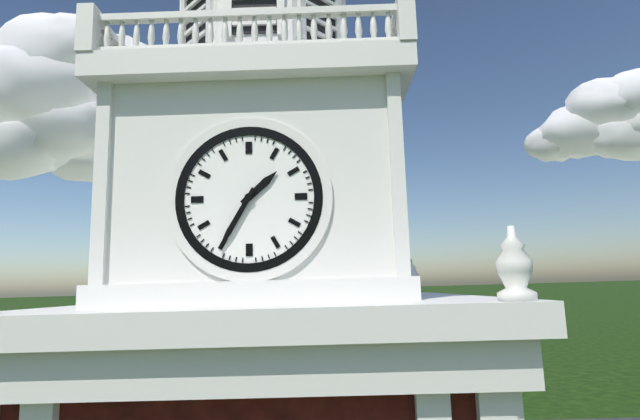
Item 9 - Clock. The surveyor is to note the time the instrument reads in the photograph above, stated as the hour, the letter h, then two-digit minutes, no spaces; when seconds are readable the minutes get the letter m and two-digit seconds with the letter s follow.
1h35
